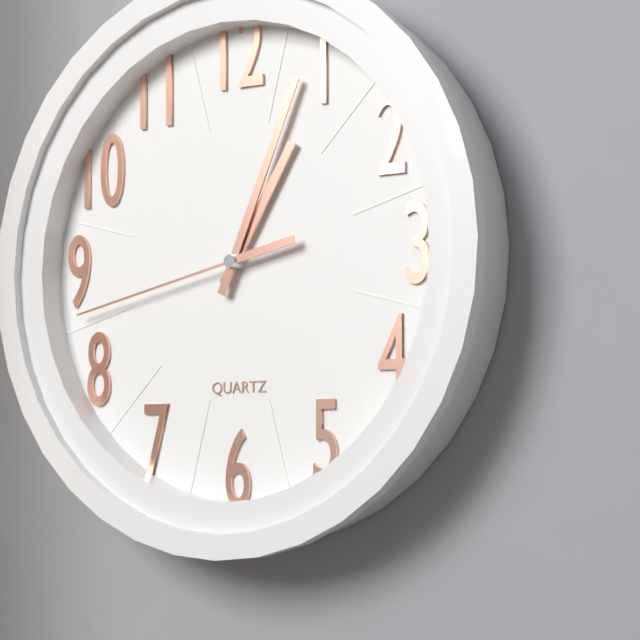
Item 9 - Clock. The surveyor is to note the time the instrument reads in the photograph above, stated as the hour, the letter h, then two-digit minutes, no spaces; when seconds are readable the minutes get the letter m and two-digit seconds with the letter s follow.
1h04m43s
